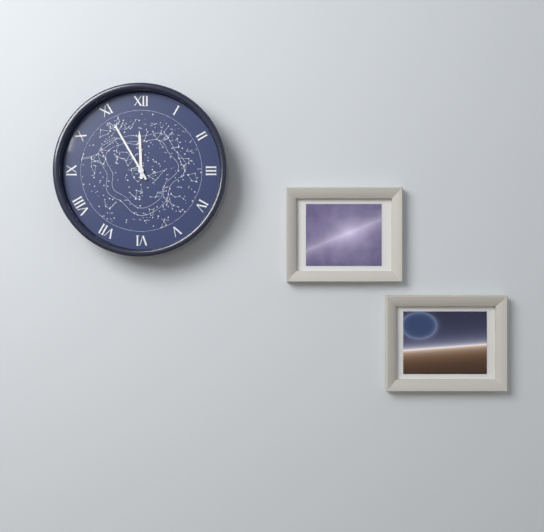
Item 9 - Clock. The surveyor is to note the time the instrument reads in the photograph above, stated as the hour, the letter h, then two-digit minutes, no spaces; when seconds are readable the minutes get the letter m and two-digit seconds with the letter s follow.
11h55
